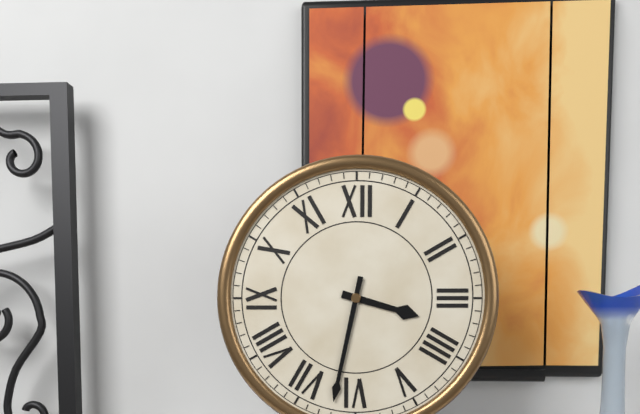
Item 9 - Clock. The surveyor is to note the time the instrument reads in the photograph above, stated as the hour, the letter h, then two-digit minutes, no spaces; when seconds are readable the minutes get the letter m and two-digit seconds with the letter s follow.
3h32
